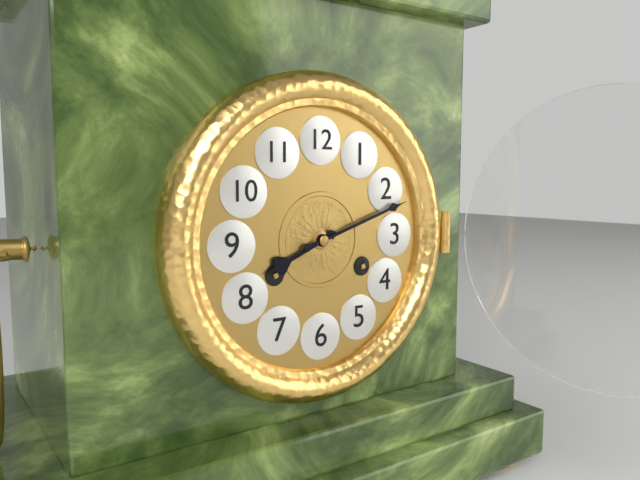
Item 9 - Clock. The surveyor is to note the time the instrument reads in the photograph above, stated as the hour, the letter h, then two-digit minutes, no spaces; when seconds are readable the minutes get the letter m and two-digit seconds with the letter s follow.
8h12
